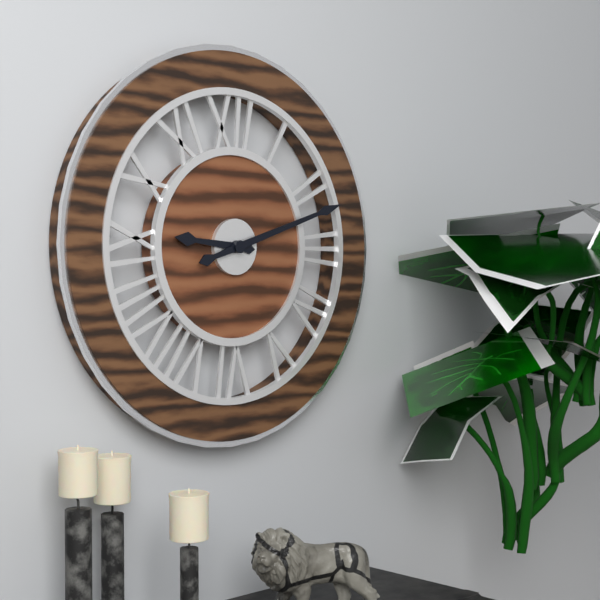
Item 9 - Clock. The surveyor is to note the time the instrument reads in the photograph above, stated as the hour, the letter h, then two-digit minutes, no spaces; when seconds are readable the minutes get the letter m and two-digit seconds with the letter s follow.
9h12
